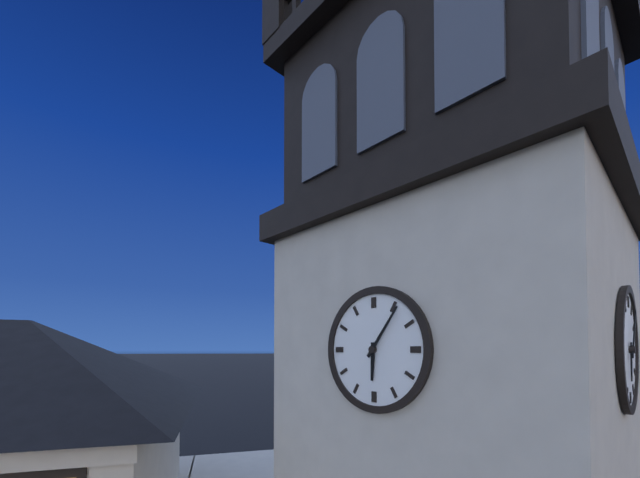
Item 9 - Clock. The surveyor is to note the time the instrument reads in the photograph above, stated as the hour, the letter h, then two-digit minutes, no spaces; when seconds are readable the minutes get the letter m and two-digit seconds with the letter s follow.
6h06
